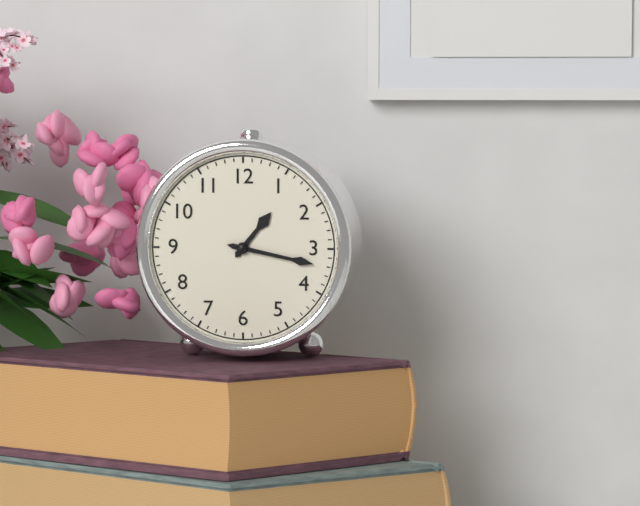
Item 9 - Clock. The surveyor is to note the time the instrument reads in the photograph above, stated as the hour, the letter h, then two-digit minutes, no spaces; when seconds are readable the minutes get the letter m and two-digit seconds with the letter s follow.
1h17
